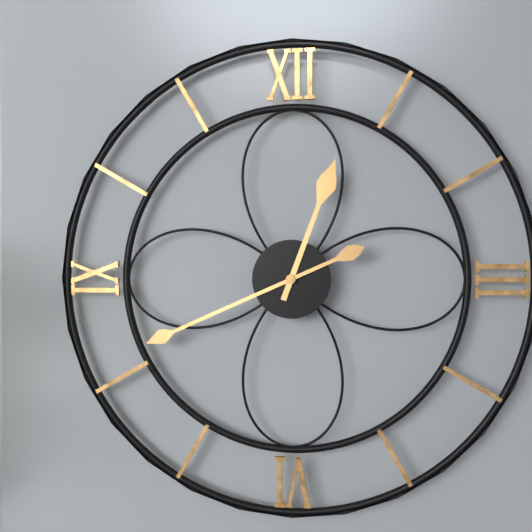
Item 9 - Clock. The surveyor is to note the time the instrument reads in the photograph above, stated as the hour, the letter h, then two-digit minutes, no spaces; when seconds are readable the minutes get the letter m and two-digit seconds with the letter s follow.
12h41
